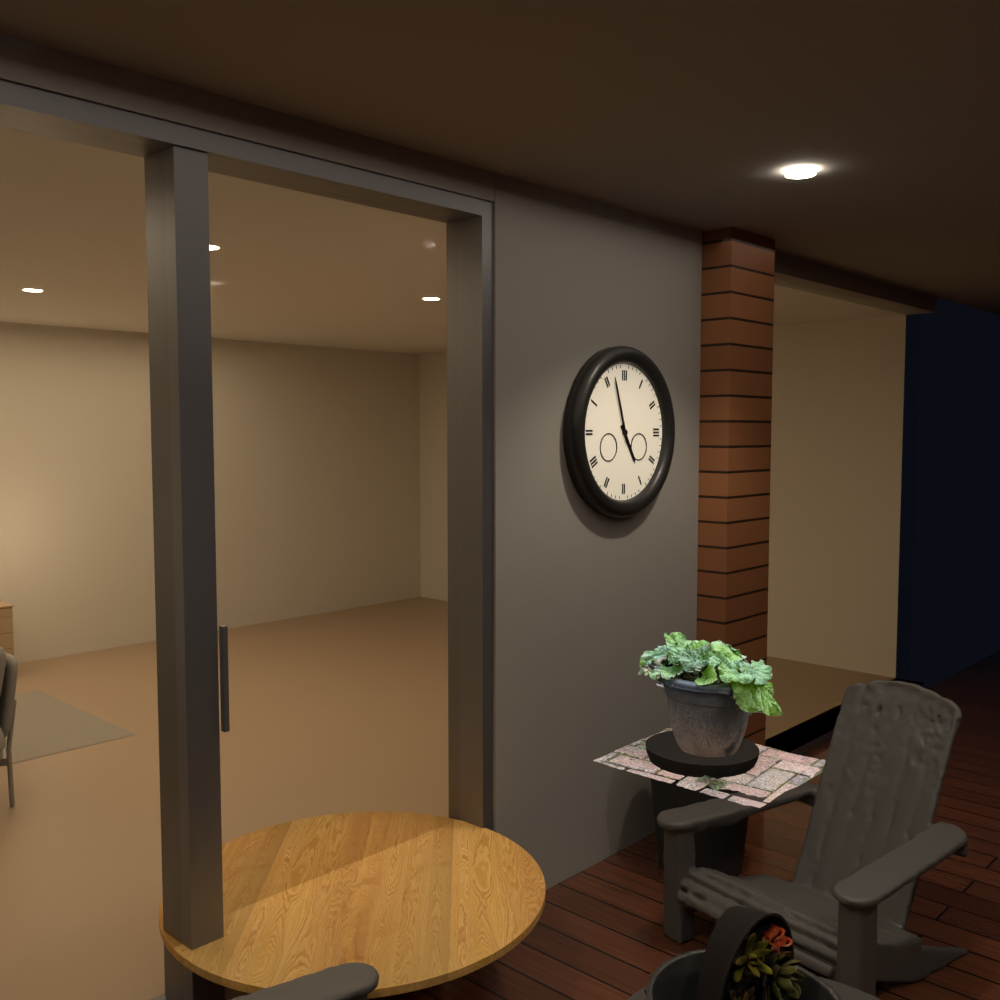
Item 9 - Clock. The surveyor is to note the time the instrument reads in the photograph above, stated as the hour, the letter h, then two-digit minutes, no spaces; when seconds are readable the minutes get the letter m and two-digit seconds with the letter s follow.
4h57
